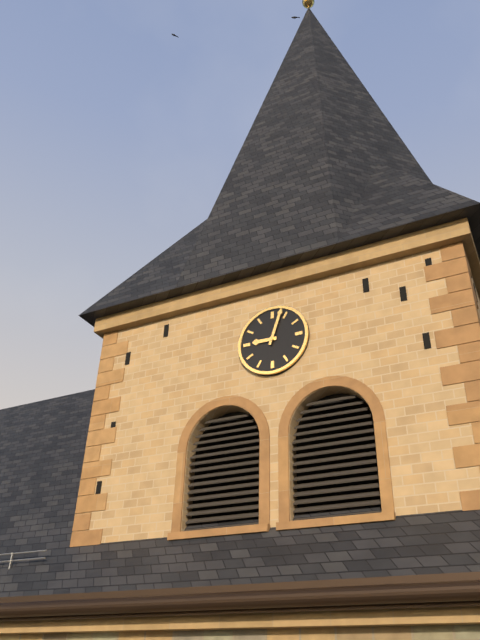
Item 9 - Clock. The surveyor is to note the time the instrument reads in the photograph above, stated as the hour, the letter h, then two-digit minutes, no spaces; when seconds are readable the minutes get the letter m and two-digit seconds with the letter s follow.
9h03
